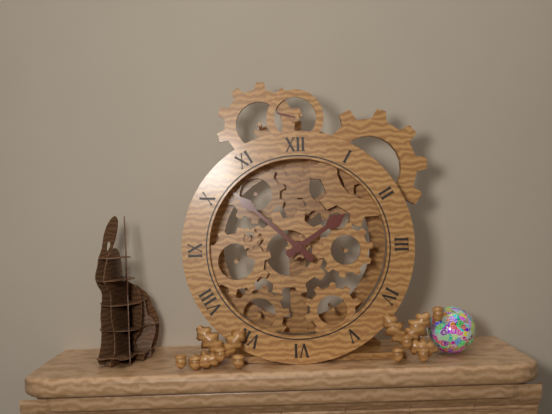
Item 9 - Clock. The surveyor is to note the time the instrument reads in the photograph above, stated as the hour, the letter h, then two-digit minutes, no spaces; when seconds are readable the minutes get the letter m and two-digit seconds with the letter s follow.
1h52
